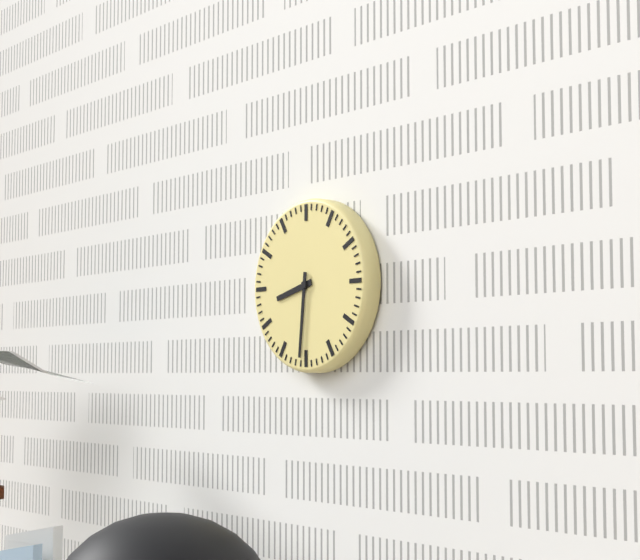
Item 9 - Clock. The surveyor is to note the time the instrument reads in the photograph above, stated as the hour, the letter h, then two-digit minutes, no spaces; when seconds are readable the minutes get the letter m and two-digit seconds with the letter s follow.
8h31
